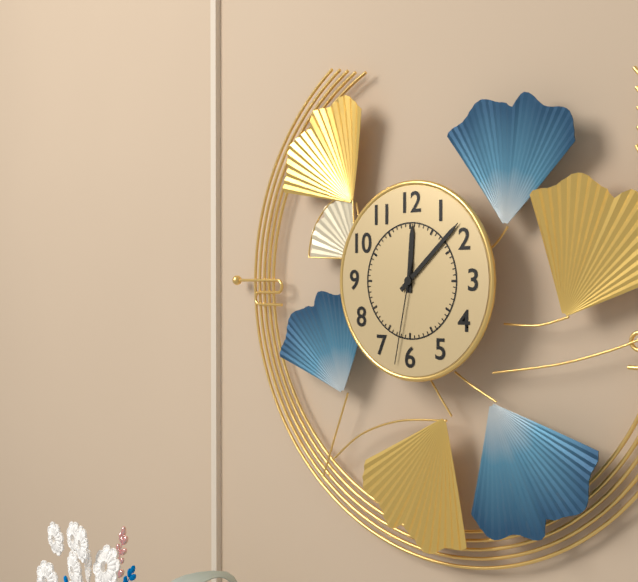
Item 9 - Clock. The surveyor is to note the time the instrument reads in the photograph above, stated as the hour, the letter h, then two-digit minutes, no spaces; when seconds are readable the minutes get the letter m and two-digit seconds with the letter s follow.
12h08m32s
